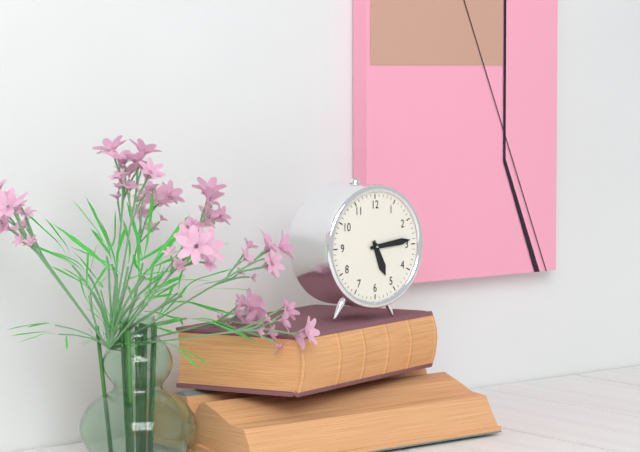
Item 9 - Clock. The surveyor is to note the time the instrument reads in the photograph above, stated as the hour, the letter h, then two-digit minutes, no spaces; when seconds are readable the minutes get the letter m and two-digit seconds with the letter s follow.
5h14
